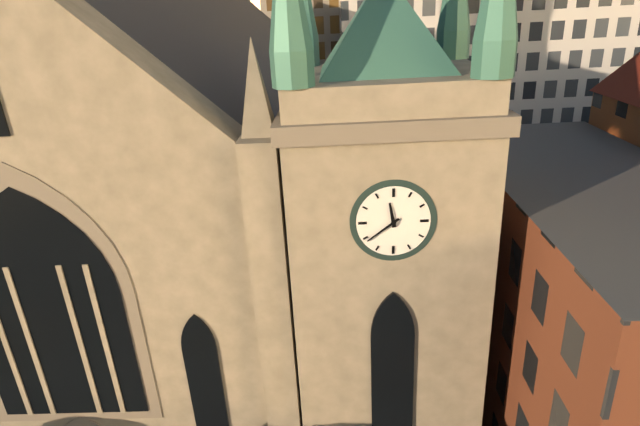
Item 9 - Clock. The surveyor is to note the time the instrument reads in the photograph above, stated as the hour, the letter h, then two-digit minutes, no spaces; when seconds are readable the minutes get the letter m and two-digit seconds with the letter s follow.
11h39
